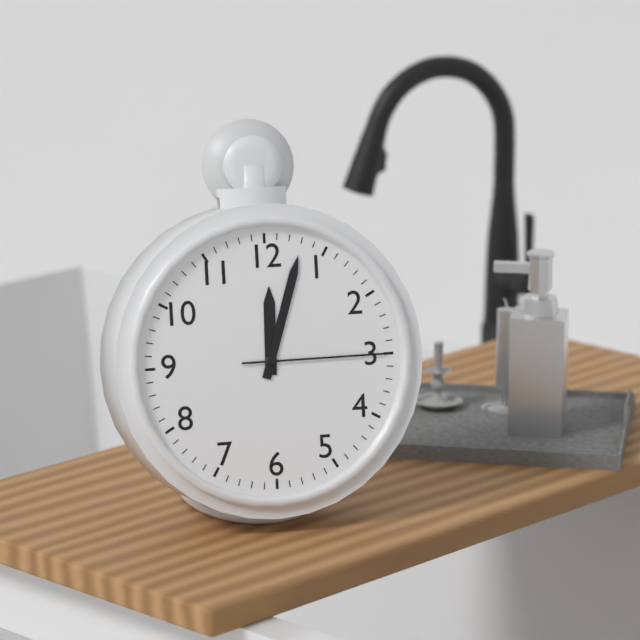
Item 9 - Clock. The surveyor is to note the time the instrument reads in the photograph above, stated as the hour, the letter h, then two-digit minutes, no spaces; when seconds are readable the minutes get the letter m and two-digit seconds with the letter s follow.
12h03m15s
